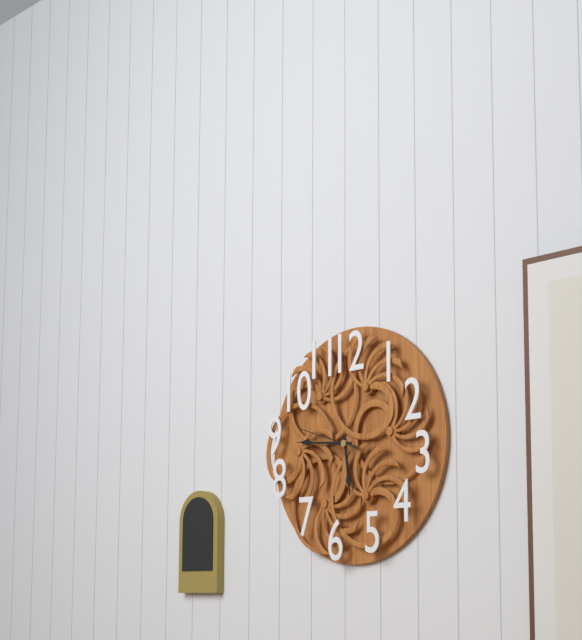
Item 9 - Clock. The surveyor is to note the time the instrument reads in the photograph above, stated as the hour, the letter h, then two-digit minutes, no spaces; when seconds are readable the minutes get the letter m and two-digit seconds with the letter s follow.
5h46m48s
